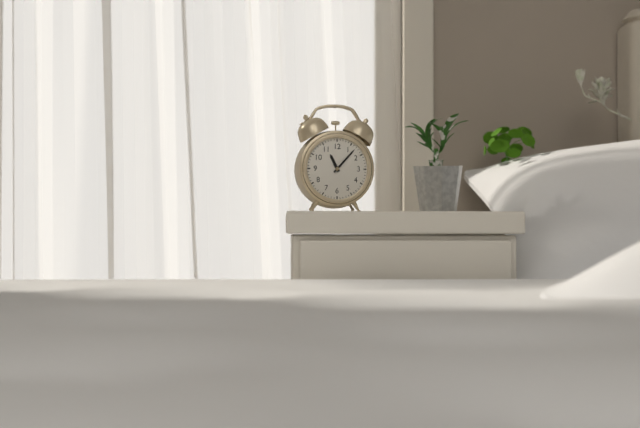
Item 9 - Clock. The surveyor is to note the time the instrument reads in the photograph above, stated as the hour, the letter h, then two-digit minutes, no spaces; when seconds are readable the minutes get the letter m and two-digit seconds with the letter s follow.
11h07
